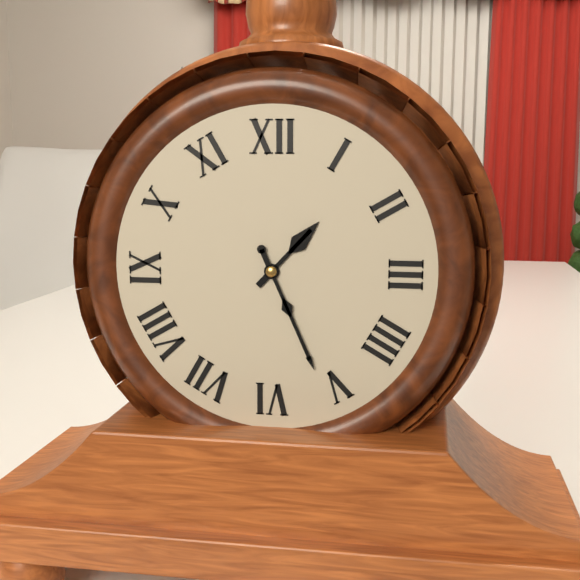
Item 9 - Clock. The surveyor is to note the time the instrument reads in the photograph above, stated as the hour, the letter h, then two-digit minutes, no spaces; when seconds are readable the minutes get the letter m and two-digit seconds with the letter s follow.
1h26
